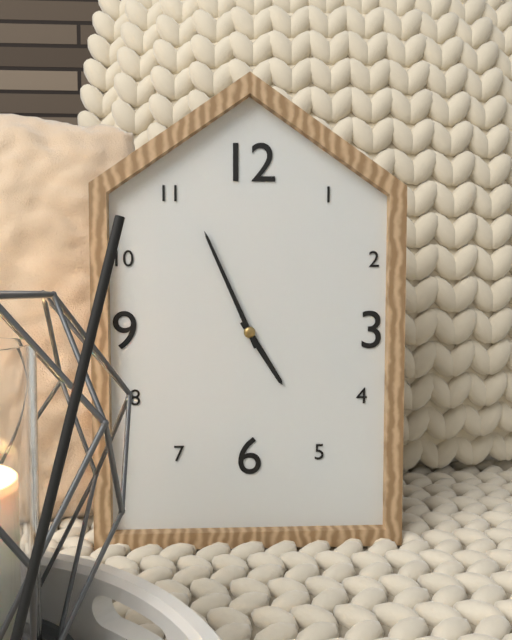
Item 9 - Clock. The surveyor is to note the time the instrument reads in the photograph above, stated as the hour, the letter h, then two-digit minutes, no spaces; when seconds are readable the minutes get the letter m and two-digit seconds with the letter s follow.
4h56
